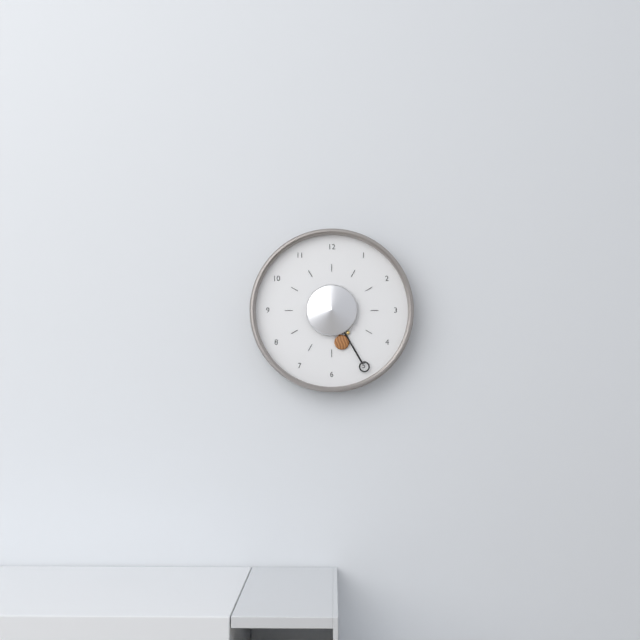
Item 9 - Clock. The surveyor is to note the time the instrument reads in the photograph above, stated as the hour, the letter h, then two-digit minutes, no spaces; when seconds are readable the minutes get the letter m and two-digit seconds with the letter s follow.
5h25
